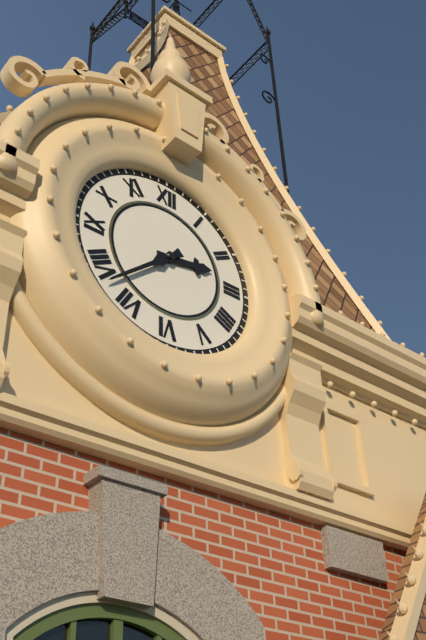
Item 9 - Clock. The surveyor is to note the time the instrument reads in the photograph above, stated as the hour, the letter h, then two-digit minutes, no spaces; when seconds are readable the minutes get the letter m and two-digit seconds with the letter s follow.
2h38
